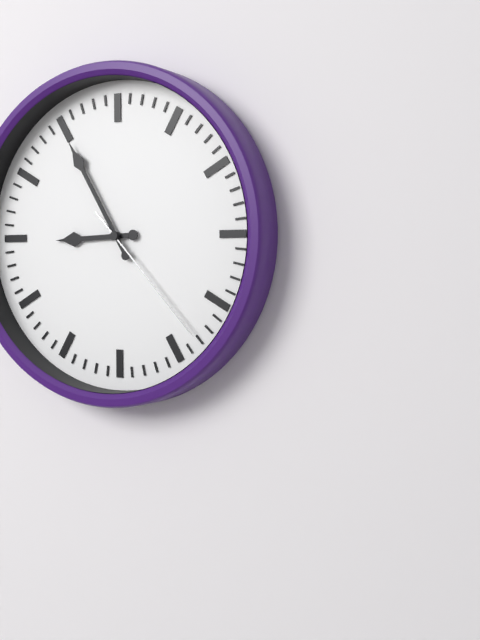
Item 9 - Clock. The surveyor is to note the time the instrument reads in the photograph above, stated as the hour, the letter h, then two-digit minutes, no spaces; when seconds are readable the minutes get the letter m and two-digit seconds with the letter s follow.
8h55m23s
